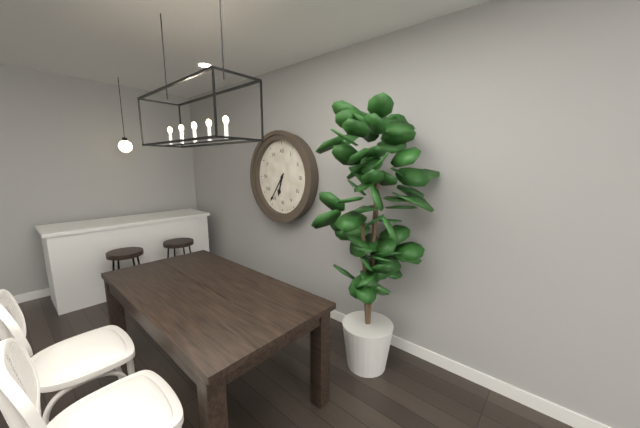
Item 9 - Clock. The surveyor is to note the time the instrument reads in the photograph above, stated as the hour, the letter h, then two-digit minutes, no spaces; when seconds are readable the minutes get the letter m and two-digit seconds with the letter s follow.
6h36
